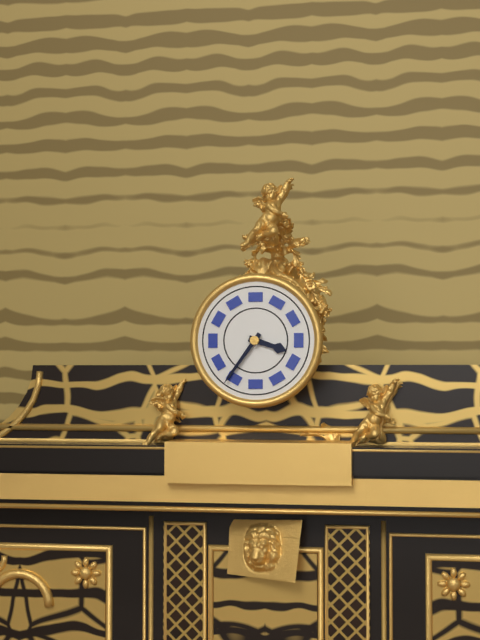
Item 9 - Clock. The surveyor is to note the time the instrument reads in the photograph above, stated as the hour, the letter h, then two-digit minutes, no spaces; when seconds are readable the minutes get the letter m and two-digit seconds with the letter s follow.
3h36
